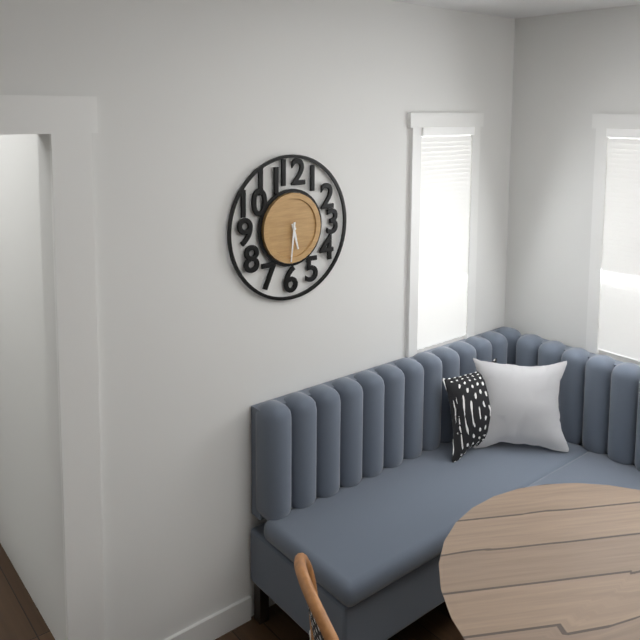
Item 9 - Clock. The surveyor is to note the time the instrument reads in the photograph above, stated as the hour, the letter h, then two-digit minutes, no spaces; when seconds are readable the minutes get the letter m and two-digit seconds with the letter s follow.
5h31
